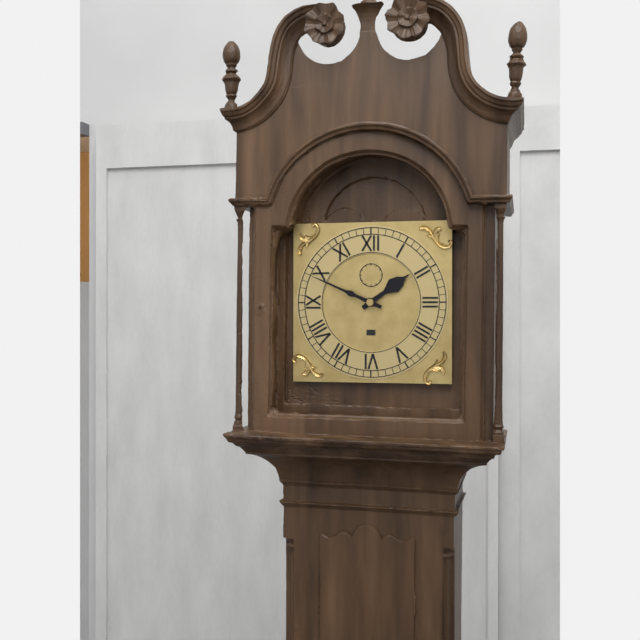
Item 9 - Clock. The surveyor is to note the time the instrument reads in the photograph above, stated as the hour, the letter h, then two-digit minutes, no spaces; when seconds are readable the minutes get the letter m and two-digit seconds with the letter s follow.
1h49
